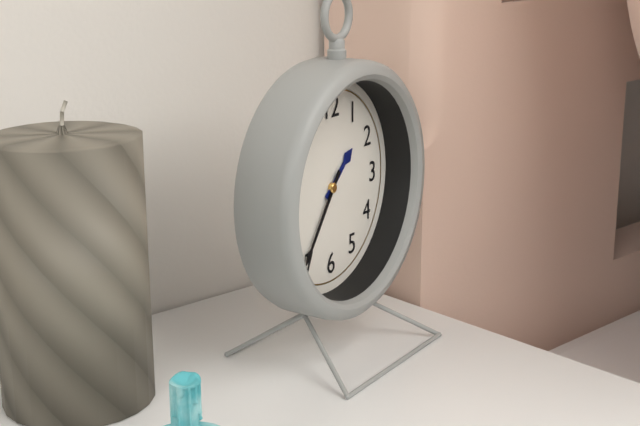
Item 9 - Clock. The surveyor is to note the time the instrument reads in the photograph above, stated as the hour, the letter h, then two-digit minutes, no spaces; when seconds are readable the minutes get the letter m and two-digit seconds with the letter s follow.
1h36
